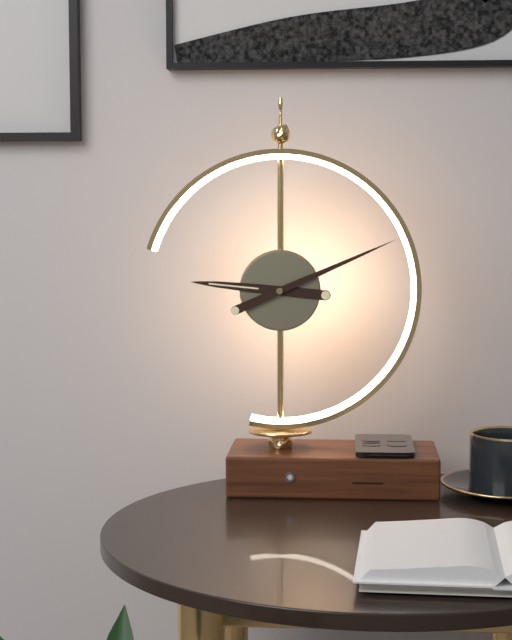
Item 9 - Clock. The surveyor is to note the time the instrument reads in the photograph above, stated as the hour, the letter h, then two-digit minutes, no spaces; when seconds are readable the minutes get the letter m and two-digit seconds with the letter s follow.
9h11
